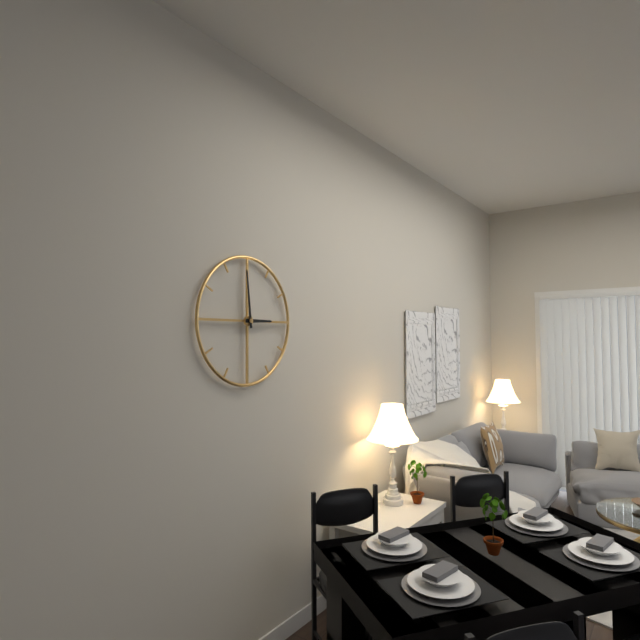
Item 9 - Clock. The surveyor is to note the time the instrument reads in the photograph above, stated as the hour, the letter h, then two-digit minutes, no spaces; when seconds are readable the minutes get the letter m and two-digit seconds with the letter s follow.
2h59
